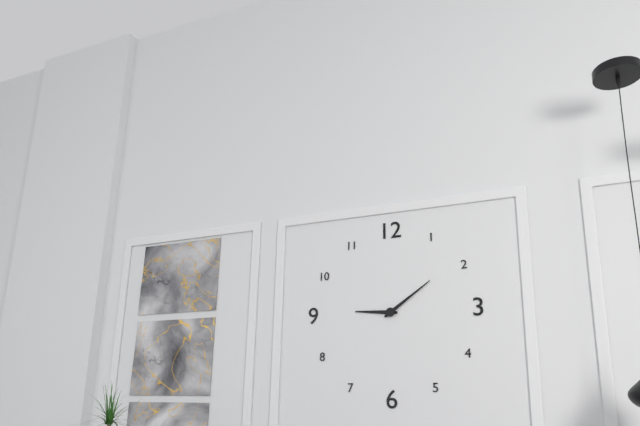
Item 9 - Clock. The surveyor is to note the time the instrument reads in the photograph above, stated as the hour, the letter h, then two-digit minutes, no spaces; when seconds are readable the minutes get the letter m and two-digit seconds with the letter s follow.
9h09
